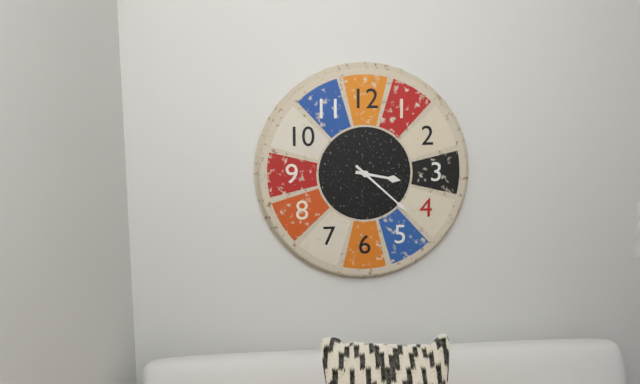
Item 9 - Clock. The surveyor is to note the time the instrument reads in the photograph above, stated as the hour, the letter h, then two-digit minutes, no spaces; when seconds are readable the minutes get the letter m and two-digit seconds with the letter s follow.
3h22
